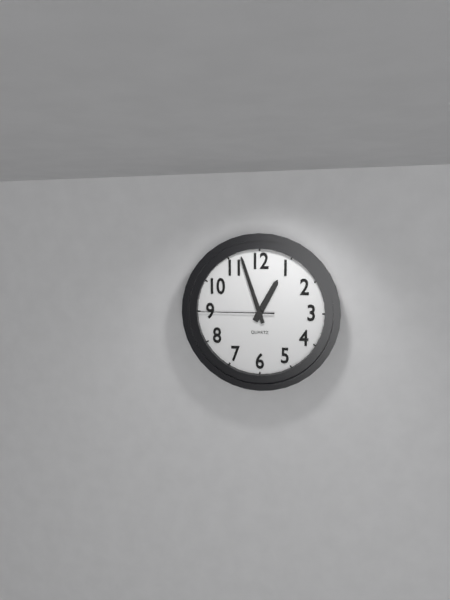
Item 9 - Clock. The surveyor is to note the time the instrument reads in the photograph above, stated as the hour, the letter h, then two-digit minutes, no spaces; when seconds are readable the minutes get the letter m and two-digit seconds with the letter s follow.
12h57m45s
